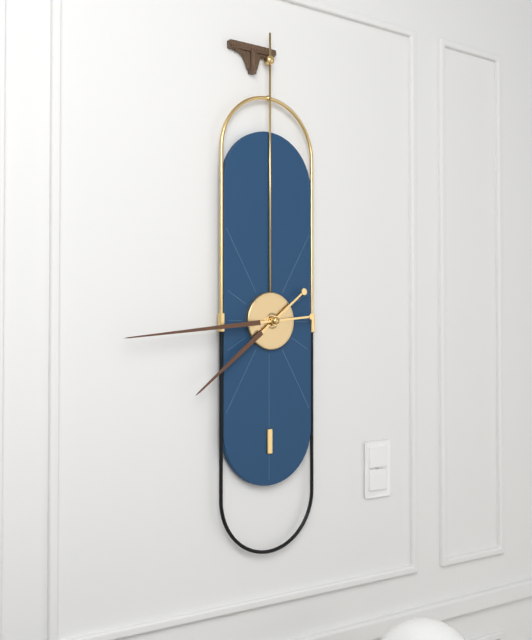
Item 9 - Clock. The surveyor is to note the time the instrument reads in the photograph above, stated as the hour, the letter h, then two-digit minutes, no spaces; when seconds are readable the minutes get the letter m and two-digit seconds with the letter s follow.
7h44
